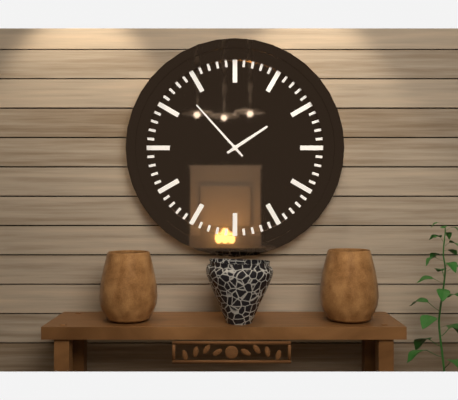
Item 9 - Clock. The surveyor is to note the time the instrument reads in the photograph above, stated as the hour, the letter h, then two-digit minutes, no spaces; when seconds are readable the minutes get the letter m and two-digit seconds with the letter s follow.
1h53
